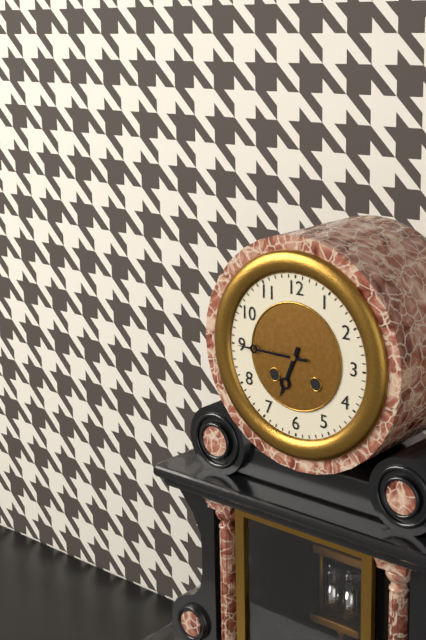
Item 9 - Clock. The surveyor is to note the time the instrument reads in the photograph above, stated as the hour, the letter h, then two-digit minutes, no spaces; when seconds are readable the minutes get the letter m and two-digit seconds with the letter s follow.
6h45
